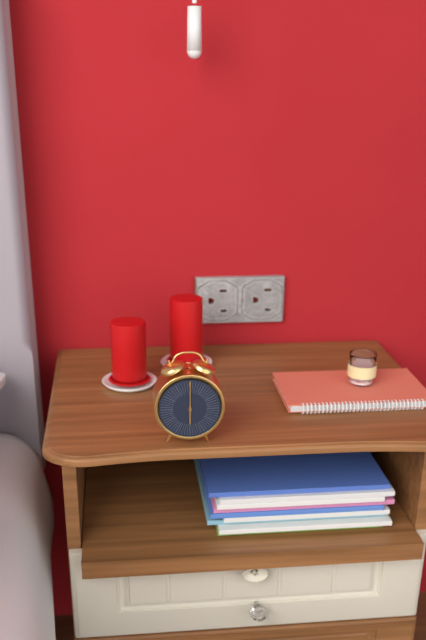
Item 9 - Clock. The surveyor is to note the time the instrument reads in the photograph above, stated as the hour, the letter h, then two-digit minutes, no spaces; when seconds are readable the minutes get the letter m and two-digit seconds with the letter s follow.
6h00
